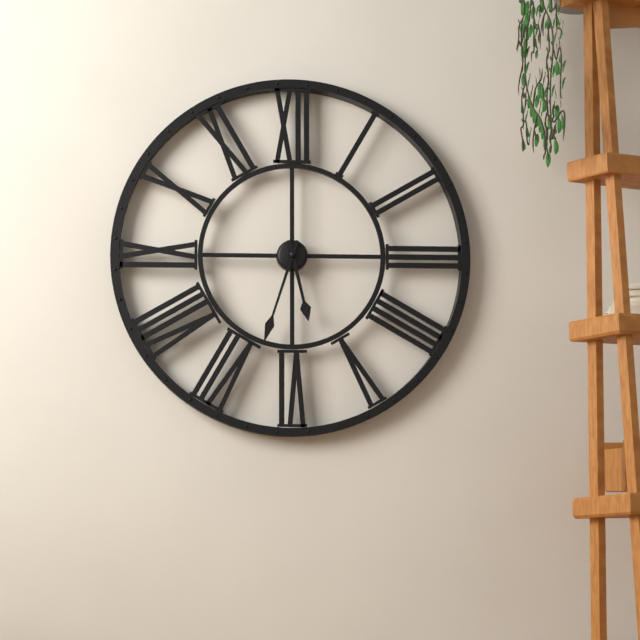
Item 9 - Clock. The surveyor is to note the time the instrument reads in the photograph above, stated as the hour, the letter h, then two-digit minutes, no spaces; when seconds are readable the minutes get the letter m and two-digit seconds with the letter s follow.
5h33
